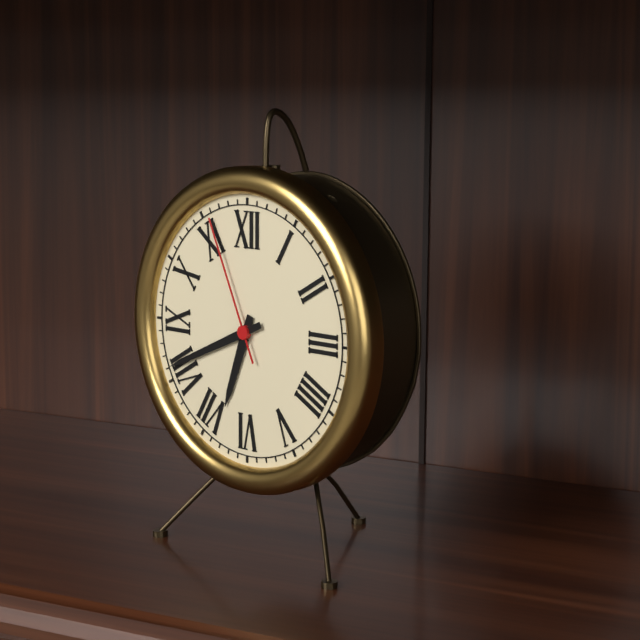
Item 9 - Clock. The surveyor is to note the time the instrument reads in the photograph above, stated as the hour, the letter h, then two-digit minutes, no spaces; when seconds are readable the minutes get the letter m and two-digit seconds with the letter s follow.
6h41m56s
